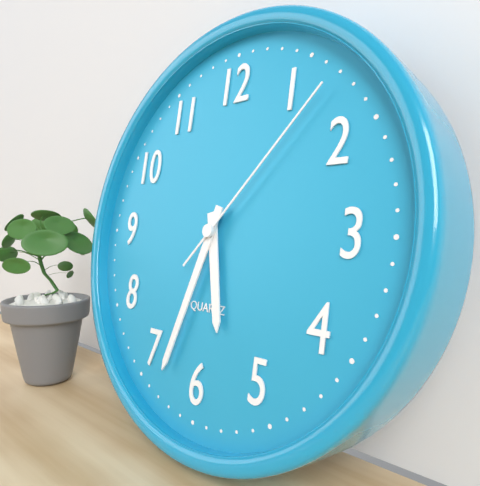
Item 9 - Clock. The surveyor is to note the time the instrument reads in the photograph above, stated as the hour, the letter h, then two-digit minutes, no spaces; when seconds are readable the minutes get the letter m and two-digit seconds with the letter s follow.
5h33m07s
